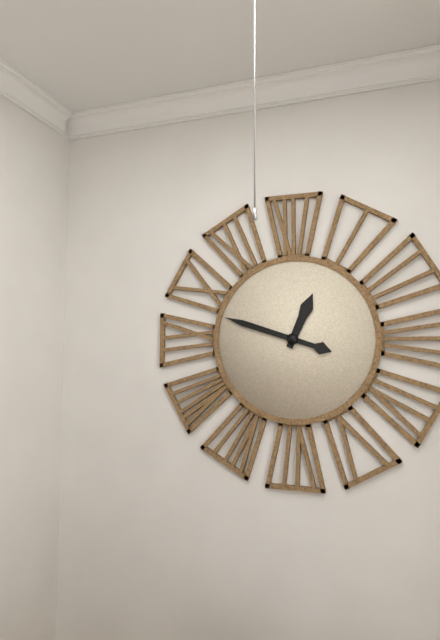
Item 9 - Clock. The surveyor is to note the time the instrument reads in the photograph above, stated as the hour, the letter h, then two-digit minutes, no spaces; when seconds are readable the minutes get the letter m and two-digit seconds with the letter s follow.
12h48
